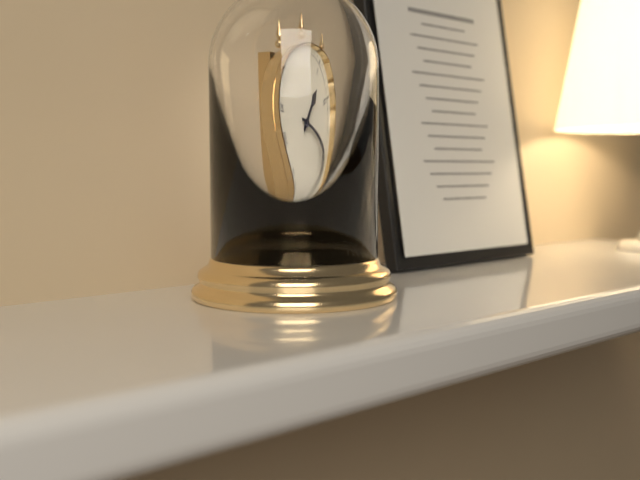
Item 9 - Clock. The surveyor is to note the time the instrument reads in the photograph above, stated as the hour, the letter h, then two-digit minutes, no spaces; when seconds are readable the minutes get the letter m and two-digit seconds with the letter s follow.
1h15
